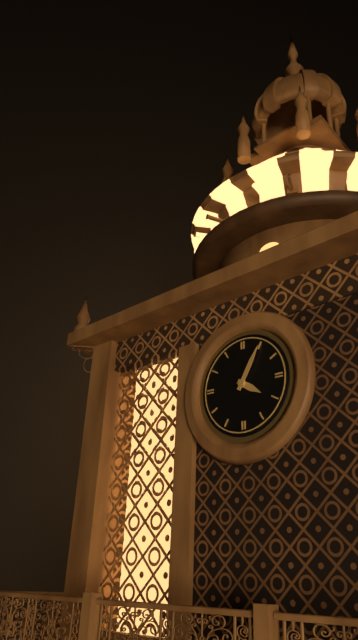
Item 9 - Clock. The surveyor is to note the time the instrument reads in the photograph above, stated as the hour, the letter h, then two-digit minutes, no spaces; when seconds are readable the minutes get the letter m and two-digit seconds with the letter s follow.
4h05
